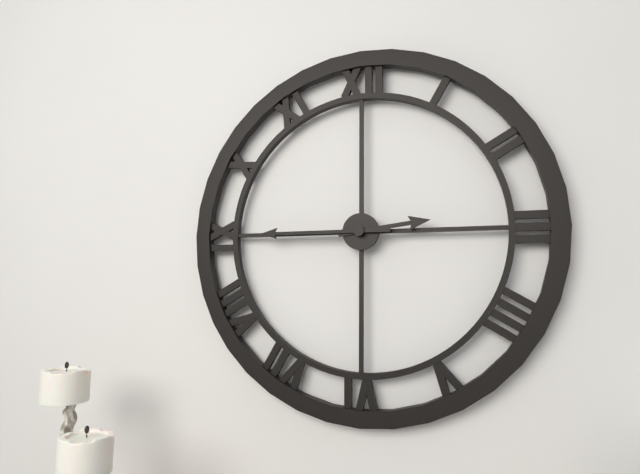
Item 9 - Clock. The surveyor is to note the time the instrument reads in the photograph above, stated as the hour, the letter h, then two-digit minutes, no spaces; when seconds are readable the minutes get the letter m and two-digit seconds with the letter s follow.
2h45
